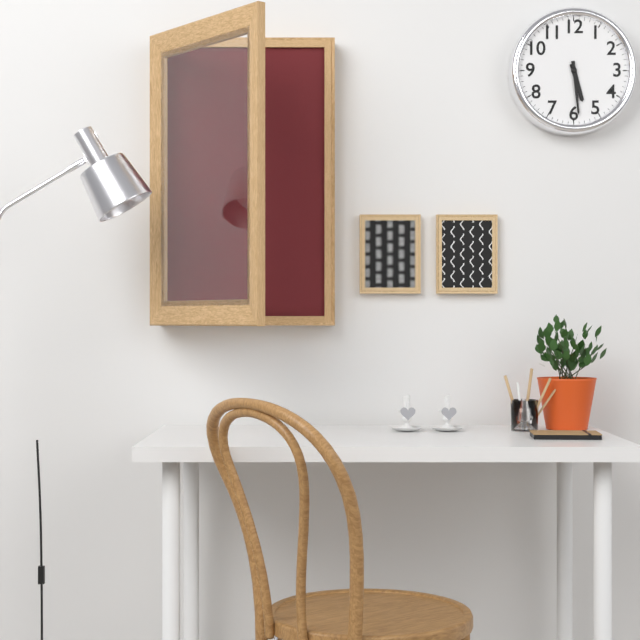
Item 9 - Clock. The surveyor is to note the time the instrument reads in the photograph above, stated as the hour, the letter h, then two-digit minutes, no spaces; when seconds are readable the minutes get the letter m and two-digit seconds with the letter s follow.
5h29
